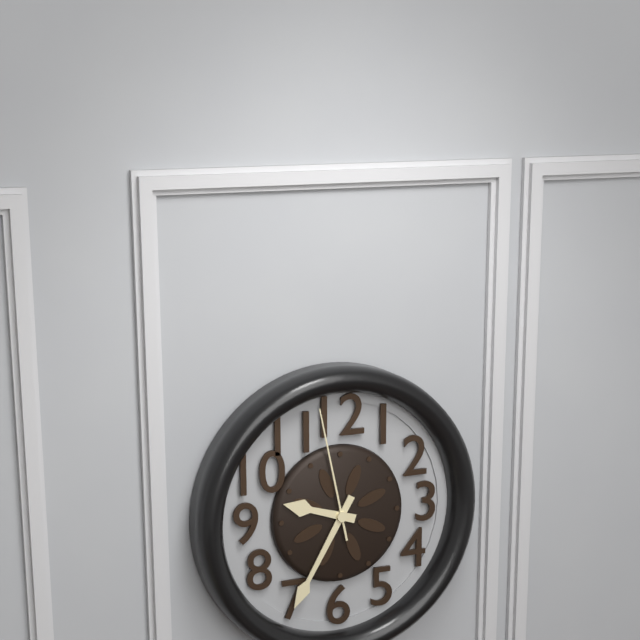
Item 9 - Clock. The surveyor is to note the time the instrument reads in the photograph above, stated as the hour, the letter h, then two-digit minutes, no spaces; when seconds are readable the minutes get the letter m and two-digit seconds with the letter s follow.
9h35m58s
